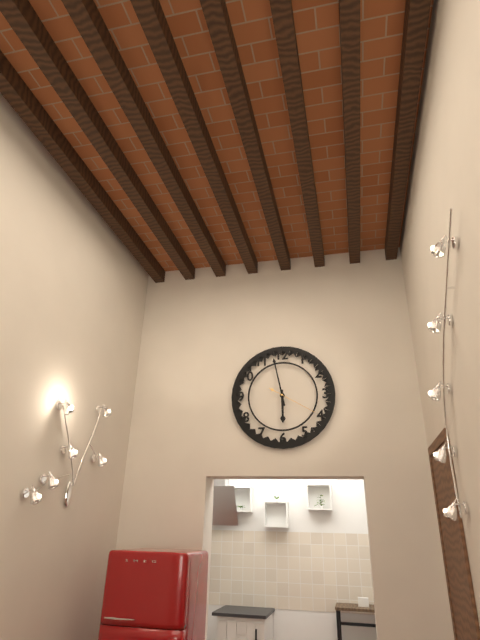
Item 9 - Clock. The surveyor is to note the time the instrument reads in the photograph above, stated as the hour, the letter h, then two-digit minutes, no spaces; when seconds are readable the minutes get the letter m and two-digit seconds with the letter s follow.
5h58
